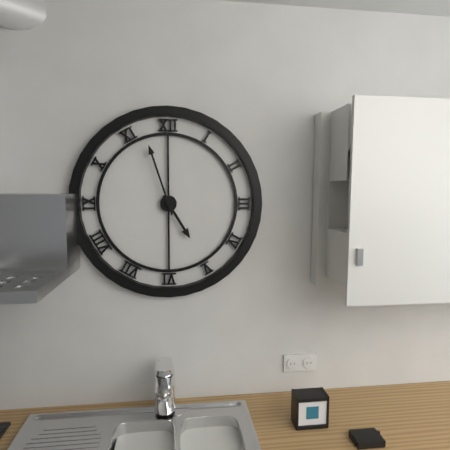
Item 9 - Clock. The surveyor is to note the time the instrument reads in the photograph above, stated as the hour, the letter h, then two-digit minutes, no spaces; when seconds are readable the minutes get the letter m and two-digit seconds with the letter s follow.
4h57
